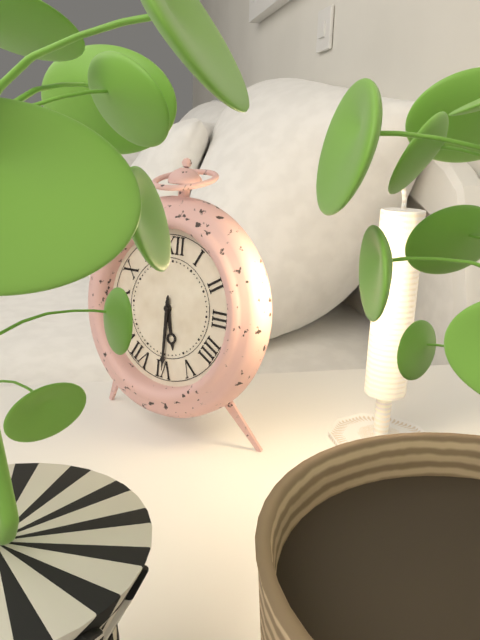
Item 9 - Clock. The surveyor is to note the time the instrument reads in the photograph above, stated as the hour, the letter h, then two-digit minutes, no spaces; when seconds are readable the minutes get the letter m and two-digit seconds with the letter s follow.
5h30
